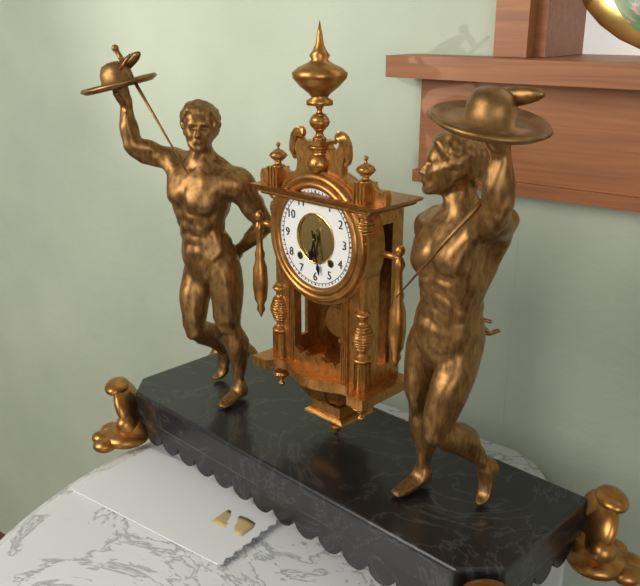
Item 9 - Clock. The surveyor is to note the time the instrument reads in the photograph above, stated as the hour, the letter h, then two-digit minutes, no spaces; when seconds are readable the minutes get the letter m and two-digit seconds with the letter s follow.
6h28
